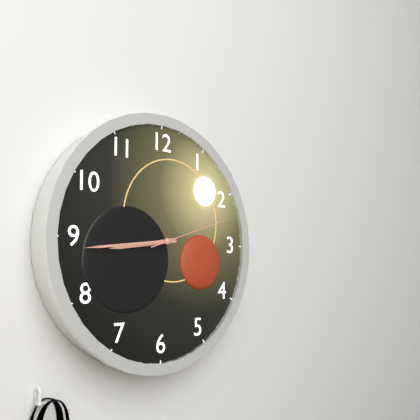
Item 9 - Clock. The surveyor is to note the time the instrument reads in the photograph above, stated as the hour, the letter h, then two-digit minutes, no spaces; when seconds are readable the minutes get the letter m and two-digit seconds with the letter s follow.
8h44m12s
